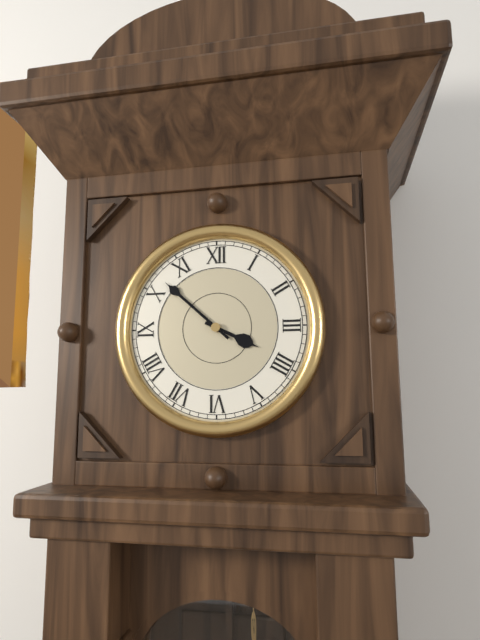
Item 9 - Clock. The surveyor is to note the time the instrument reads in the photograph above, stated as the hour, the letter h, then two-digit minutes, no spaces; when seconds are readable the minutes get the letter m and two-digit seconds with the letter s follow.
3h52
